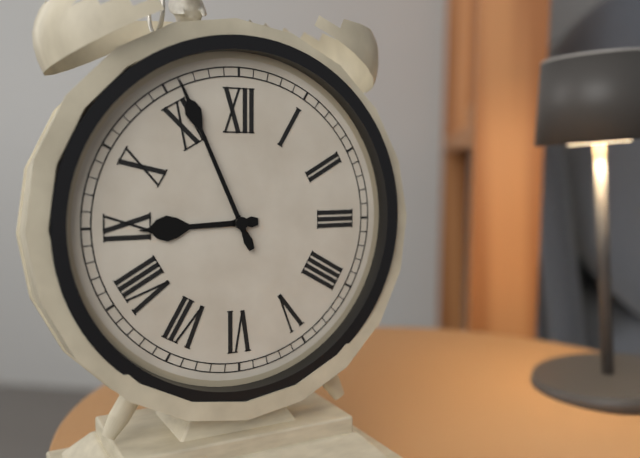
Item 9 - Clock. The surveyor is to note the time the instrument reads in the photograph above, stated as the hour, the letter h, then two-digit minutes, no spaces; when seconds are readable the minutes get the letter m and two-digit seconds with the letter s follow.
8h56
